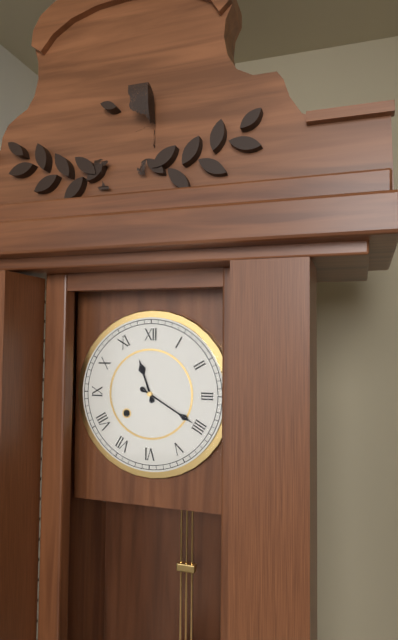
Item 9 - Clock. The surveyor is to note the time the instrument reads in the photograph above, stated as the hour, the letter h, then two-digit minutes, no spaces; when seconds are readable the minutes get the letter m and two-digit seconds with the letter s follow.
11h20
